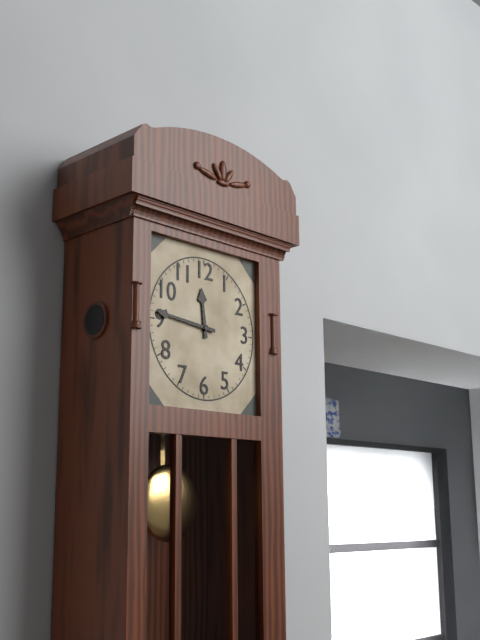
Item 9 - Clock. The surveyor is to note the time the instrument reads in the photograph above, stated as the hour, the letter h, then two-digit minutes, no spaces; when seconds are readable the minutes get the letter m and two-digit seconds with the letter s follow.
11h46
